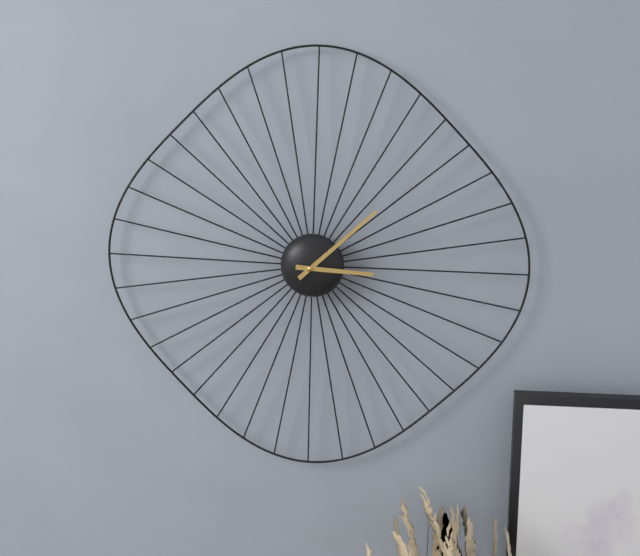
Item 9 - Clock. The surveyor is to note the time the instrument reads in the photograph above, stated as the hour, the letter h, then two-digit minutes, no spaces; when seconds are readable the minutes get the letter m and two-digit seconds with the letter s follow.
3h08
